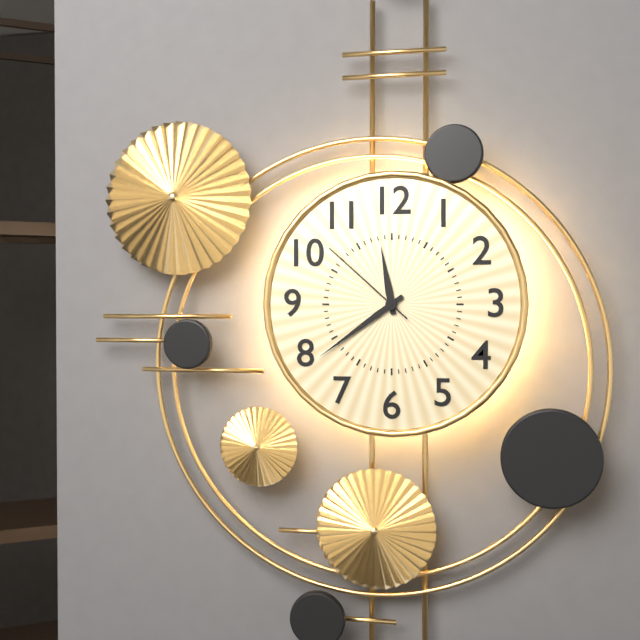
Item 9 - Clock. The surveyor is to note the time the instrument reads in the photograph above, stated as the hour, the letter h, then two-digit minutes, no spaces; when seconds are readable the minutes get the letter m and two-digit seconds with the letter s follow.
11h39m52s
